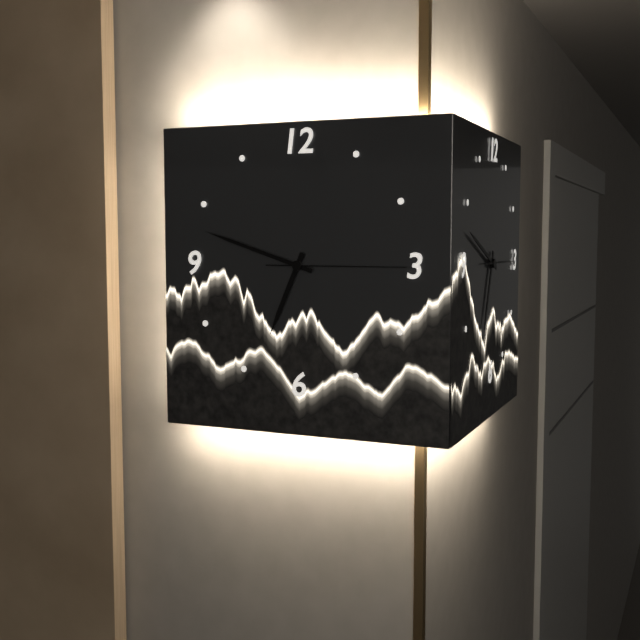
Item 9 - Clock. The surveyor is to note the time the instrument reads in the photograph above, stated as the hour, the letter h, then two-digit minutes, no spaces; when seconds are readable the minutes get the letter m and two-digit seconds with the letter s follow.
6h48m15s
